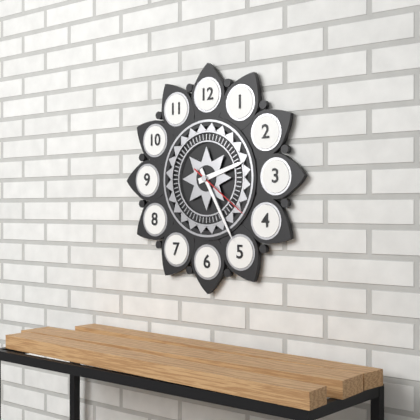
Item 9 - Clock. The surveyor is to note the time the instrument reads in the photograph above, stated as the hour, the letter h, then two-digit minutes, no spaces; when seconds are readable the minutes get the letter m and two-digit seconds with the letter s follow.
2h25m21s
